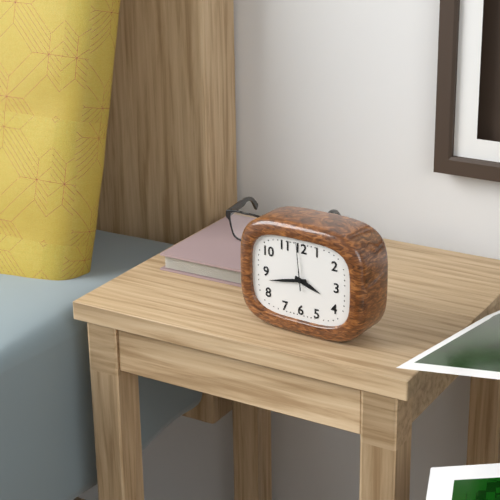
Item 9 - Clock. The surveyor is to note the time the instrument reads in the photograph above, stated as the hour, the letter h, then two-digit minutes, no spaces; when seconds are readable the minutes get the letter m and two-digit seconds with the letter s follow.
3h43
